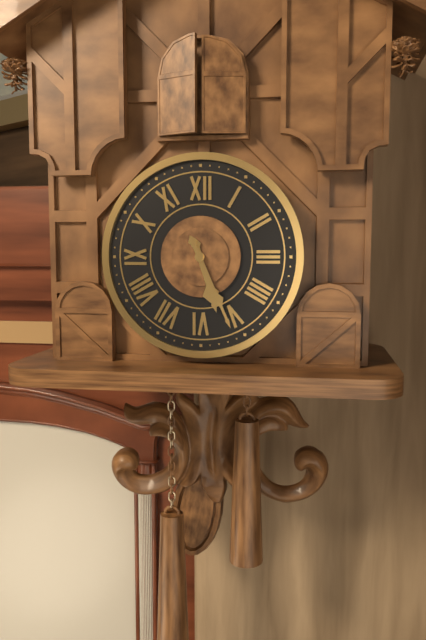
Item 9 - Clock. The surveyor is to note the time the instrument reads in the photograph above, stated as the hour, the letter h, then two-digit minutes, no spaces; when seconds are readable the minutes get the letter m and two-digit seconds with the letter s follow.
5h26
